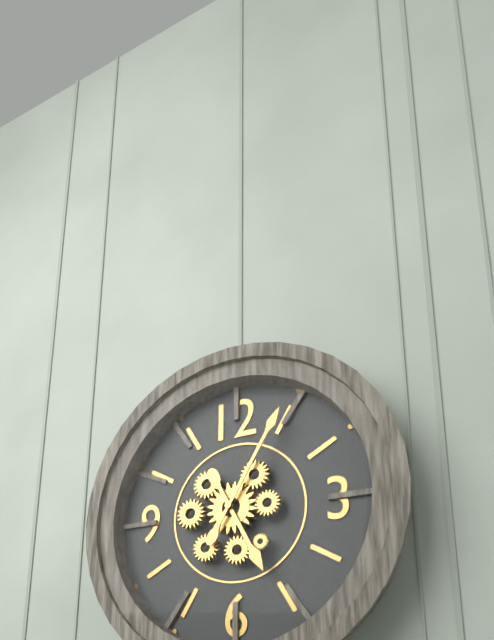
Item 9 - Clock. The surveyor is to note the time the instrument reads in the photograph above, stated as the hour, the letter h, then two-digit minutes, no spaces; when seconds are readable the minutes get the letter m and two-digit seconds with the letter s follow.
5h05
